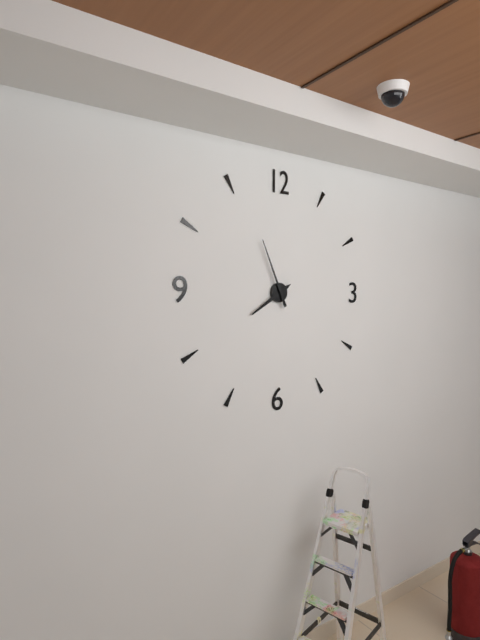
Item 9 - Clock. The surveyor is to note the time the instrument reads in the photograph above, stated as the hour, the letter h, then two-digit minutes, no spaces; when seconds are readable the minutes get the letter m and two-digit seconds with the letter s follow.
7h56
